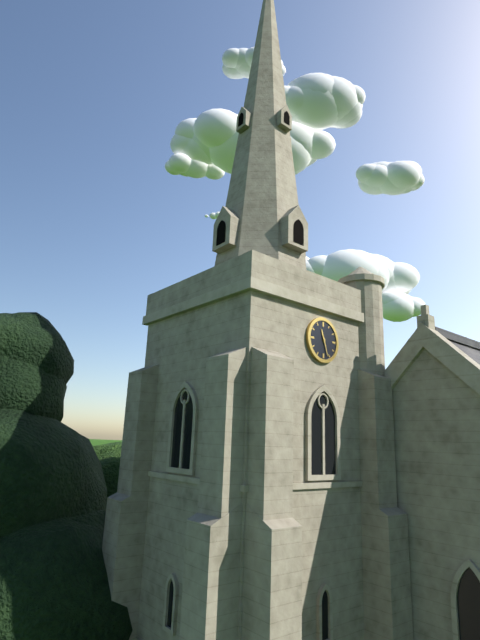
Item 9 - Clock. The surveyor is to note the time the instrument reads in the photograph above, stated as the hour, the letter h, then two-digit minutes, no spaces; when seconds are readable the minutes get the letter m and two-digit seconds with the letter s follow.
11h27
